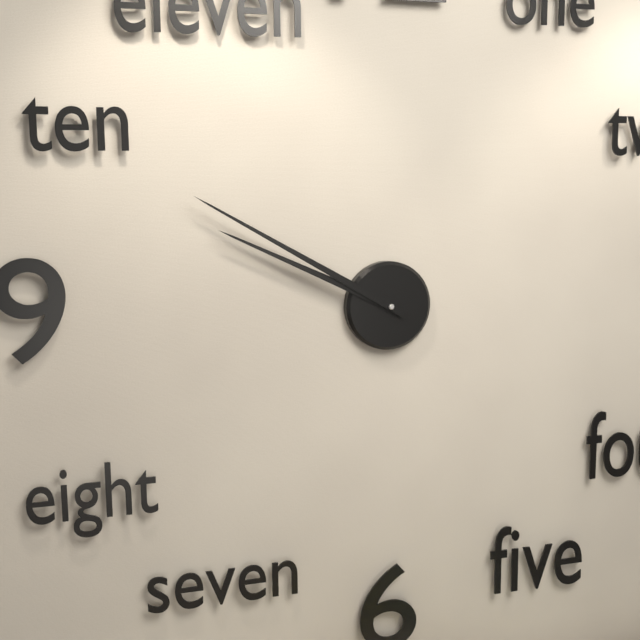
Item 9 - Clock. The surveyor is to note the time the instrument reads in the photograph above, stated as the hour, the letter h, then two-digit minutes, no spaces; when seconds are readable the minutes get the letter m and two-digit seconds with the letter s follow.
9h50
